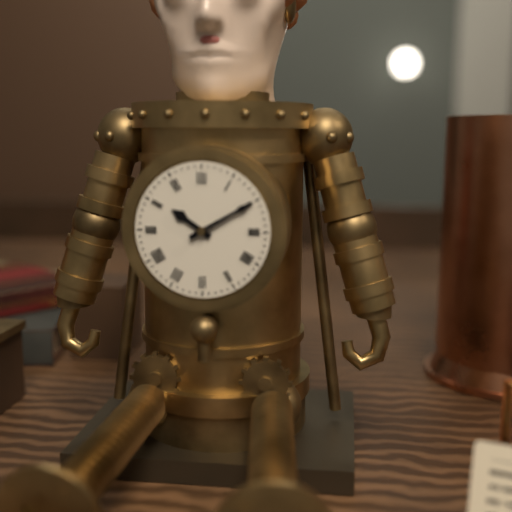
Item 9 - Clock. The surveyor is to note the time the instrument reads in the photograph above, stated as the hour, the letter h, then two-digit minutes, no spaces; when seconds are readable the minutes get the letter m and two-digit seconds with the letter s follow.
10h10
